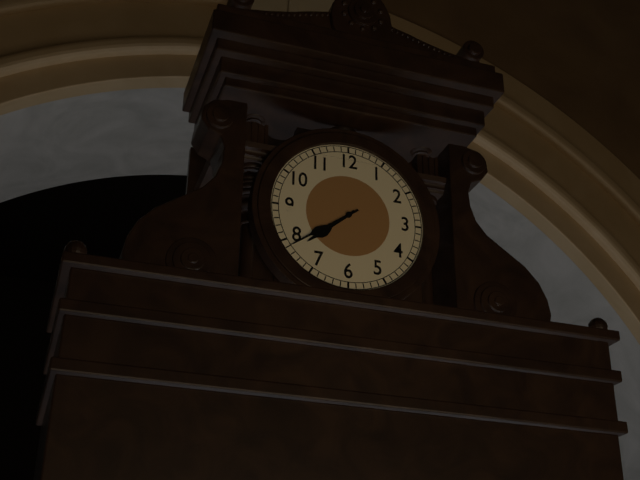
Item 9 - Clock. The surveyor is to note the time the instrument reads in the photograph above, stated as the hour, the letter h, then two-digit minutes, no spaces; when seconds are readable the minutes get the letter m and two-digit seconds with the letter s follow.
7h39
